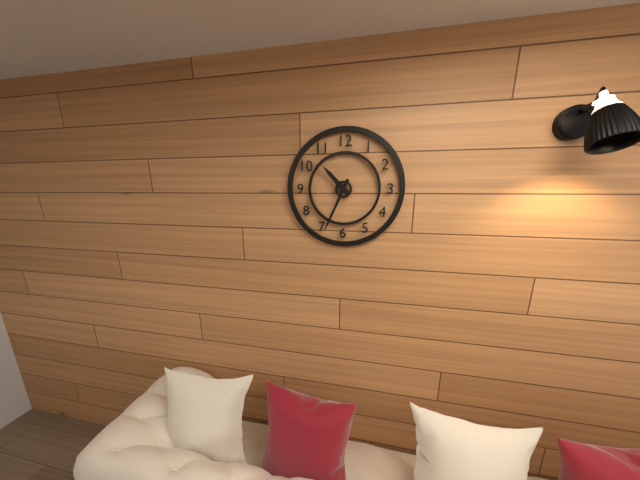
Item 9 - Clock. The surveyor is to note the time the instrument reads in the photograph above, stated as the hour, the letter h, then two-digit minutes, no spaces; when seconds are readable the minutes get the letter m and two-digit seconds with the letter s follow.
10h34
